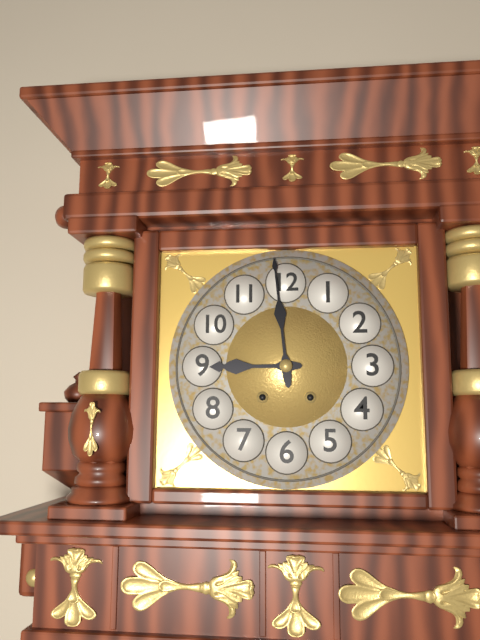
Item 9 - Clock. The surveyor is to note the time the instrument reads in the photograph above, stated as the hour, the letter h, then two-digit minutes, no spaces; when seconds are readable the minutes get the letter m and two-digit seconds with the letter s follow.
8h59
